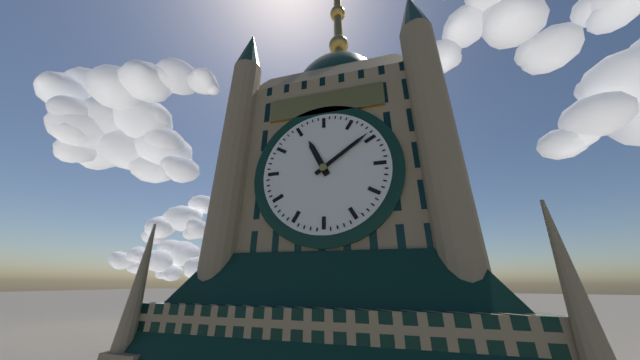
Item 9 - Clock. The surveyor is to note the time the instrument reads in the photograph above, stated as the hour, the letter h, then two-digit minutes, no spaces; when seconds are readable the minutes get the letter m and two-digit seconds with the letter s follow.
11h09
